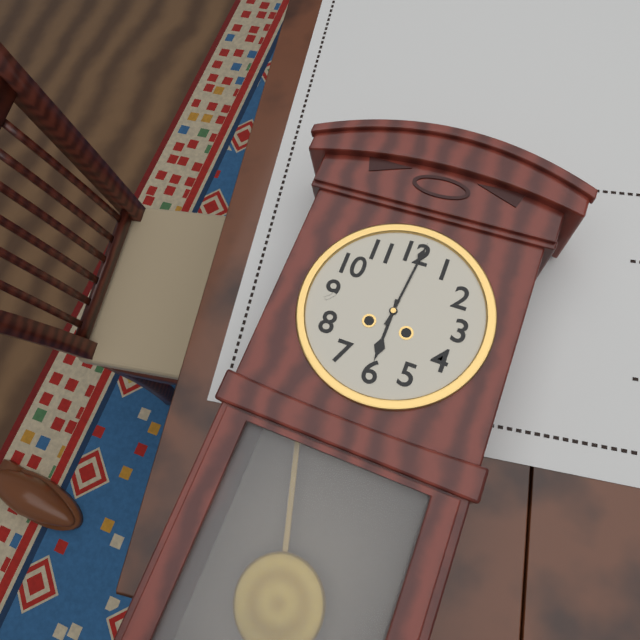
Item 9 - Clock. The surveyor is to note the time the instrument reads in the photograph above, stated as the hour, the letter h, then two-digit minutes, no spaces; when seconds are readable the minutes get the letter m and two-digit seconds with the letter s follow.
6h01
